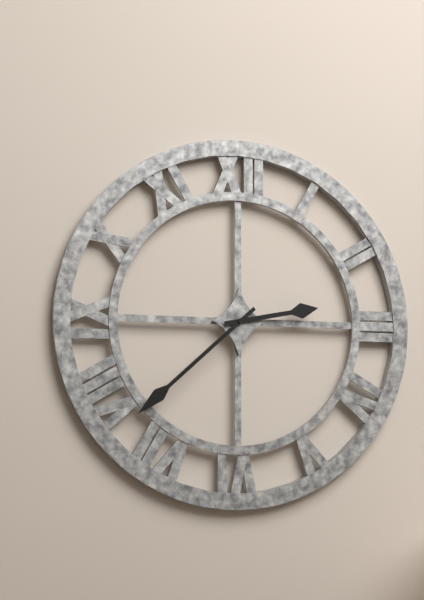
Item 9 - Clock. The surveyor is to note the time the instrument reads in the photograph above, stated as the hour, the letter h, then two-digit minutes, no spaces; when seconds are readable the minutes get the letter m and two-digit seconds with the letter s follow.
2h38
